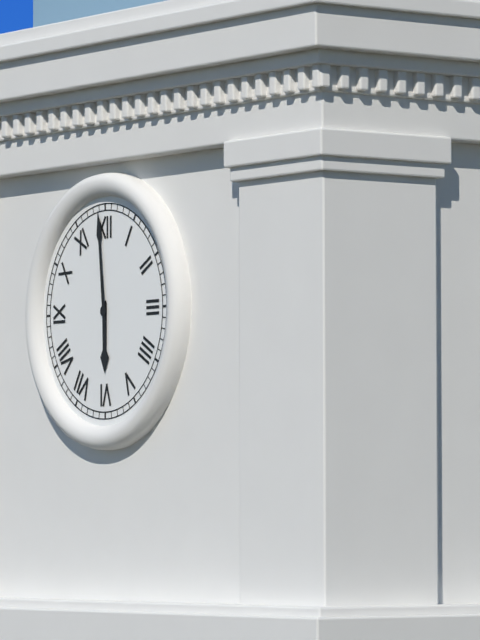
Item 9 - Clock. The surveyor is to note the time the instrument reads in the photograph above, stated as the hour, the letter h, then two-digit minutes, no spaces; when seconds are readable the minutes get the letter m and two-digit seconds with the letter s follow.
5h59
